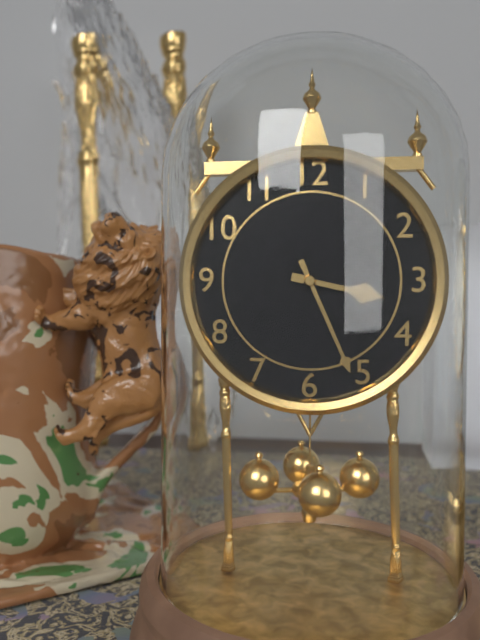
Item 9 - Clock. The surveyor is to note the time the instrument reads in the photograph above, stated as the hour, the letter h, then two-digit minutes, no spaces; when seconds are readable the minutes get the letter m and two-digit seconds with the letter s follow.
3h26
